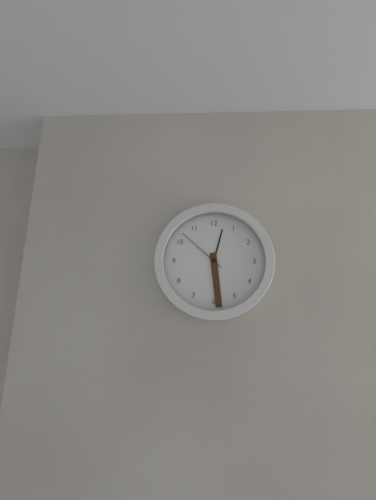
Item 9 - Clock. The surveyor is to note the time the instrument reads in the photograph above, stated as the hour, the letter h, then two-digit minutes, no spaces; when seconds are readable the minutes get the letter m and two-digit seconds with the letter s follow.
12h29m52s
